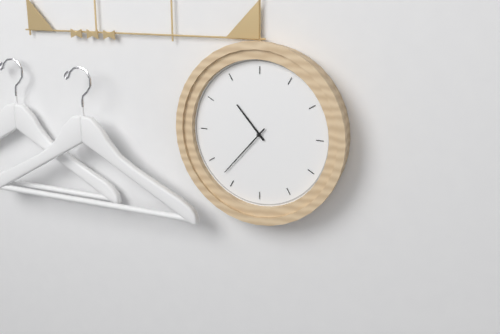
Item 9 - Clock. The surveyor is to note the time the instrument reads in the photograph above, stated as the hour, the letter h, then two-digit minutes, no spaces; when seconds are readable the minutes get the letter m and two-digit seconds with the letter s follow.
10h37
